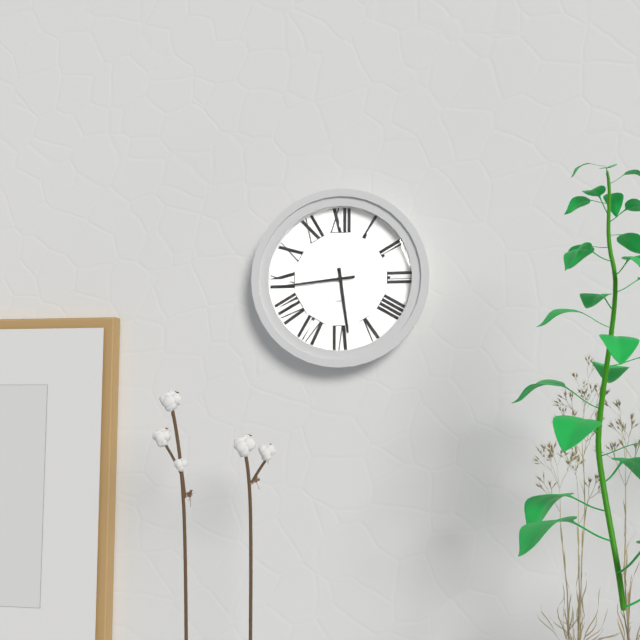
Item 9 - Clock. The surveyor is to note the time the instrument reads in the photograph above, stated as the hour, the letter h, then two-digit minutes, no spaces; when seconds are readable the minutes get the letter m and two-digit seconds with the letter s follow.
5h44
